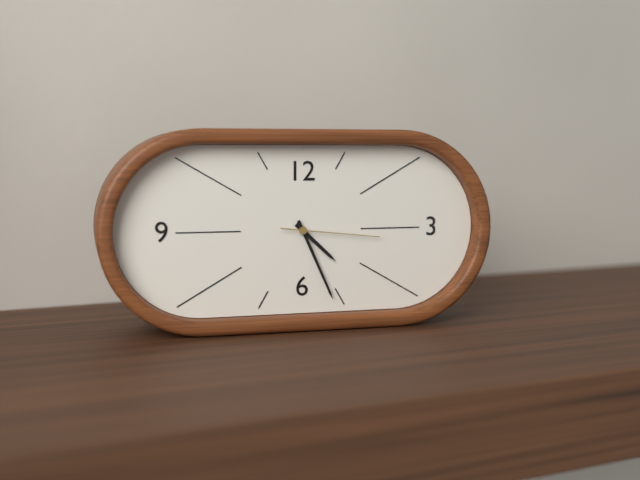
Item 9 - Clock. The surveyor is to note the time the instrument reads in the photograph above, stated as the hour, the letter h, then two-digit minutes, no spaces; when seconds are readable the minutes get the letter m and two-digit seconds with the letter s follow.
4h26m16s
